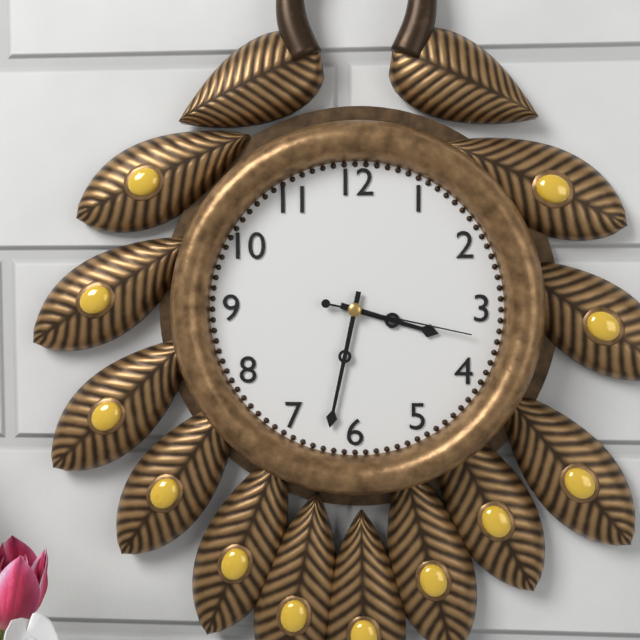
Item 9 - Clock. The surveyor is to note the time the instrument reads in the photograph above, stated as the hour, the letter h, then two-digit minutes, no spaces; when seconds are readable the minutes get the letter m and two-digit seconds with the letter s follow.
3h32m17s
